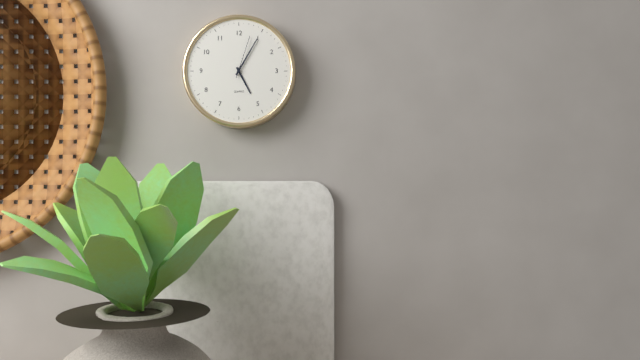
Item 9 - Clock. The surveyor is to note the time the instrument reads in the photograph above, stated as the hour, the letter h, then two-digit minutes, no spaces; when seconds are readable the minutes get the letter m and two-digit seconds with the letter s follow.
5h05
